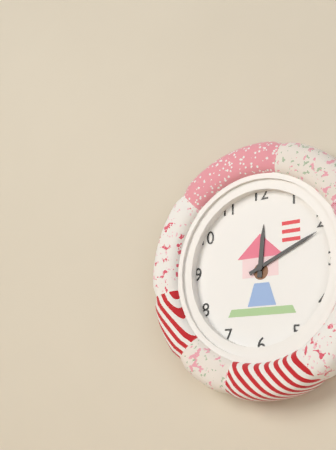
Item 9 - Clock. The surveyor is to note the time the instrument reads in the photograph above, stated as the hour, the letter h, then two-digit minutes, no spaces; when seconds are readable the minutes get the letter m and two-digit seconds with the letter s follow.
12h11
